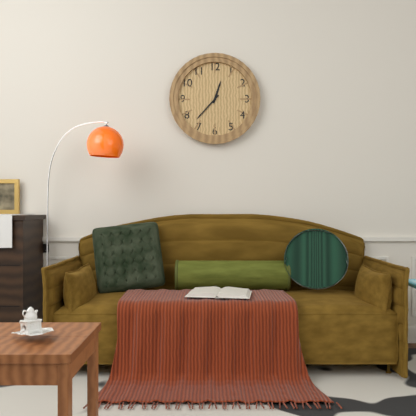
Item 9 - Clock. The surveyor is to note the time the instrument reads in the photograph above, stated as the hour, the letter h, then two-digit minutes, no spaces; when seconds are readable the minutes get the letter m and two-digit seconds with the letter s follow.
12h37
